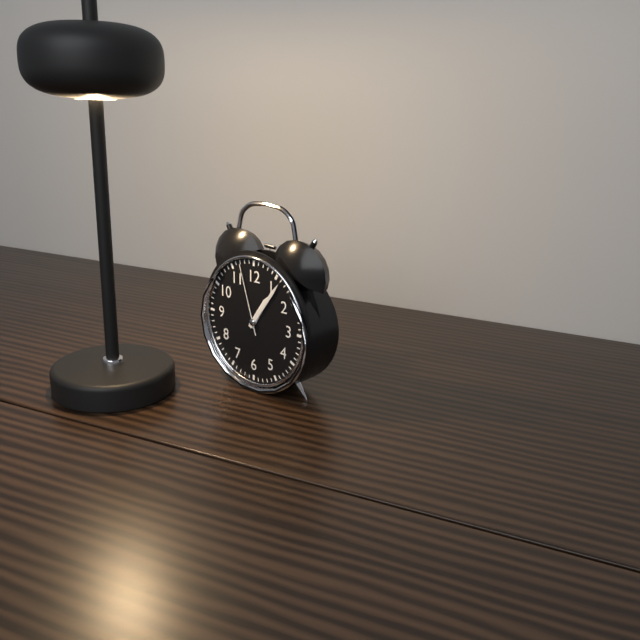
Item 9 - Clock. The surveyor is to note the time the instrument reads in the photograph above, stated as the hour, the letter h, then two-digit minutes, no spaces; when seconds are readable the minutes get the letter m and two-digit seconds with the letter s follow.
1h06m57s
